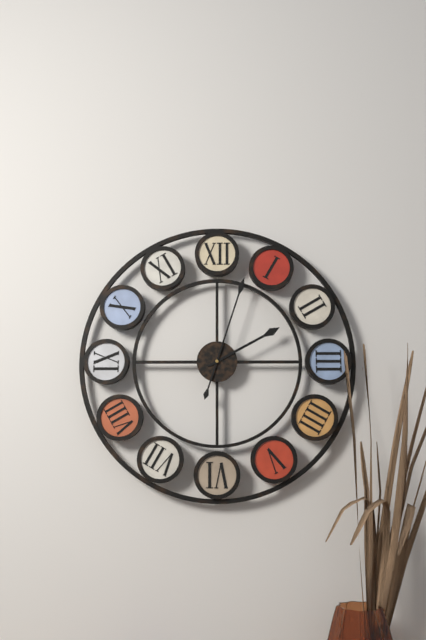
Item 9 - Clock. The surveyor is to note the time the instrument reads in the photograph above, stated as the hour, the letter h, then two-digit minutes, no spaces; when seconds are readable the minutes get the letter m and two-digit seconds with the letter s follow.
2h03
